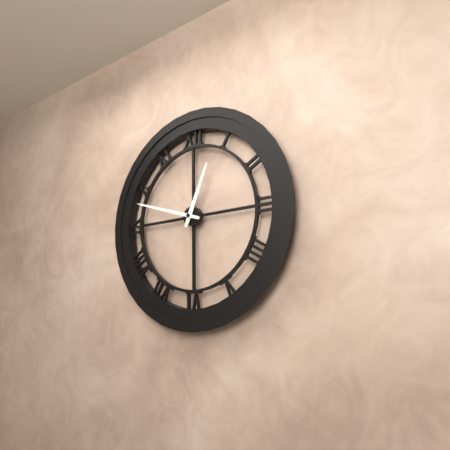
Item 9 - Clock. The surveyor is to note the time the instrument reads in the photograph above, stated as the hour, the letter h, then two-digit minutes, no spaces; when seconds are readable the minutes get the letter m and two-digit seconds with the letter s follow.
12h48
